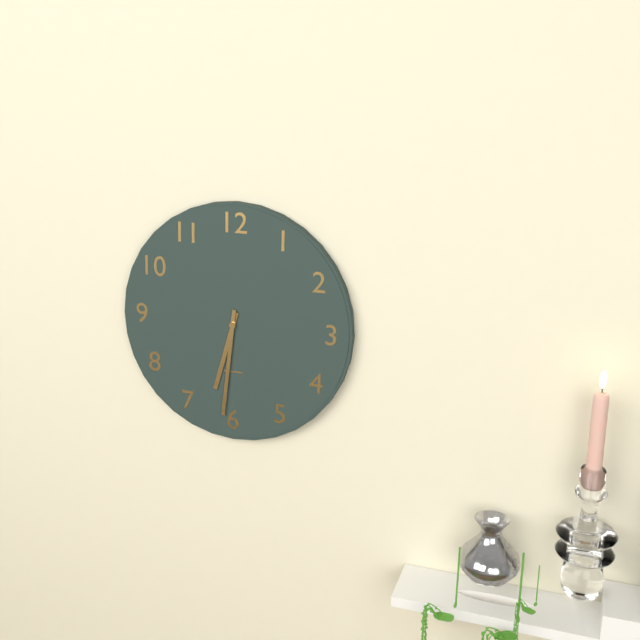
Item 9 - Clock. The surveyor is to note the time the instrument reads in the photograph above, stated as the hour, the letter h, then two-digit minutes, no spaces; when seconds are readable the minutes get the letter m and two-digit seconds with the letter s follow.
6h31
